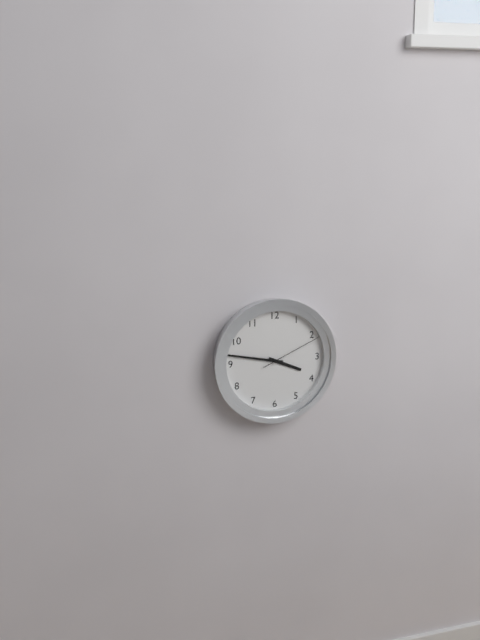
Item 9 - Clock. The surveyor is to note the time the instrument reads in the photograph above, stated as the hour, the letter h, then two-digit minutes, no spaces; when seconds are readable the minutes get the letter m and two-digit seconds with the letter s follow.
3h47m11s
